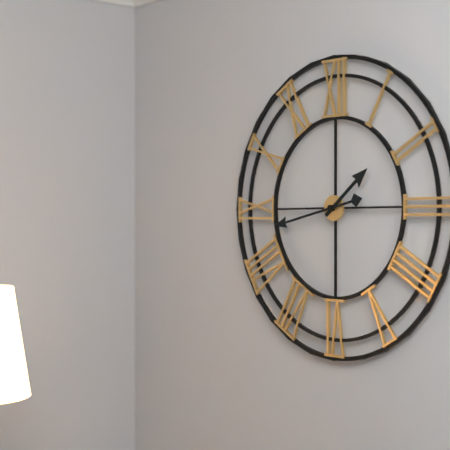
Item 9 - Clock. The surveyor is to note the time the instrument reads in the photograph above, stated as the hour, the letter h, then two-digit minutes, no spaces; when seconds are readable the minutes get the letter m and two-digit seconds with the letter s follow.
1h43
